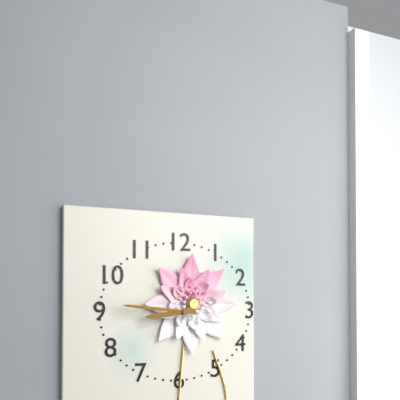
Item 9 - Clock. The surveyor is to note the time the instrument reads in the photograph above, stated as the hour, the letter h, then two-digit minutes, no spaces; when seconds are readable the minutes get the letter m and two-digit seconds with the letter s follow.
8h46
